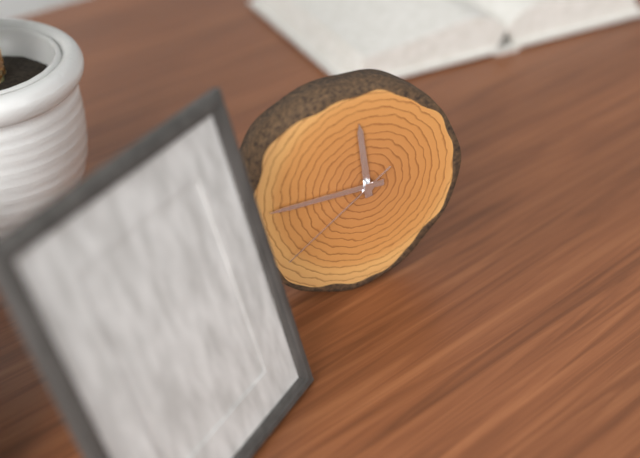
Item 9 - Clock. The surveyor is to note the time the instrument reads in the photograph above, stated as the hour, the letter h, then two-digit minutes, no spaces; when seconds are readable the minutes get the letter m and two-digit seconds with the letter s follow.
11h45m39s
